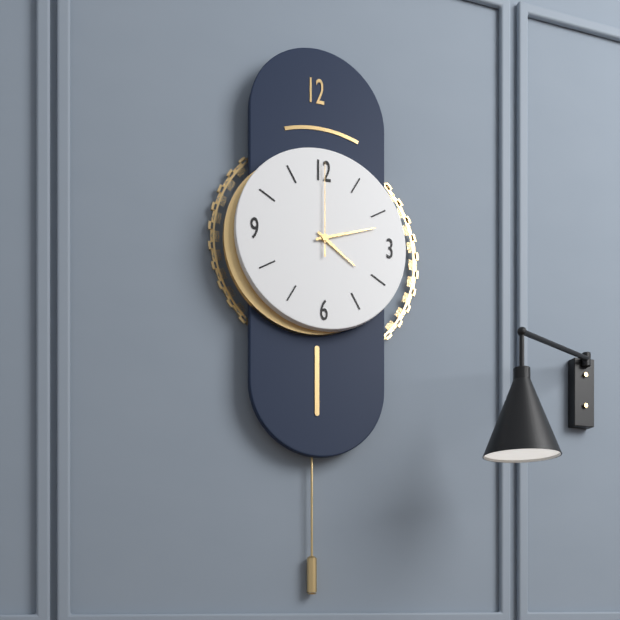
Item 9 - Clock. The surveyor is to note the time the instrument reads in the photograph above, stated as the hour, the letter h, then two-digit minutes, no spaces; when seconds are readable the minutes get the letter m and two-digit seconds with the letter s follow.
4h12m00s
